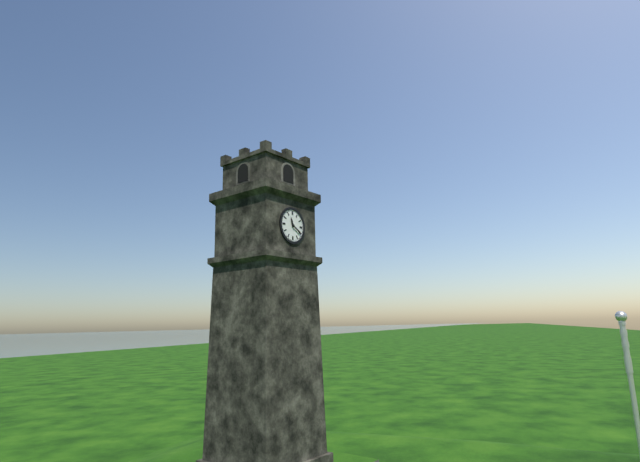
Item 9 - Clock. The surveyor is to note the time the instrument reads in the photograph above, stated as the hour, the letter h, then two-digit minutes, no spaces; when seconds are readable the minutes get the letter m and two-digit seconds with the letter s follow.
11h20
